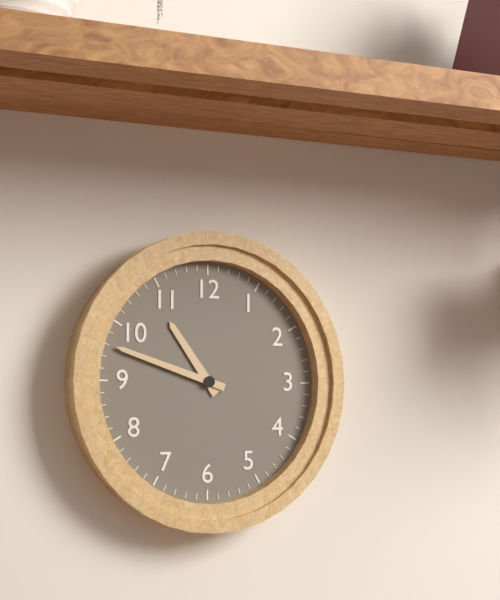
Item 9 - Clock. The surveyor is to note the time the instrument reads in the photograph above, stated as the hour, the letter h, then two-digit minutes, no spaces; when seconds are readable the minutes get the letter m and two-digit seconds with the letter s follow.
10h48
